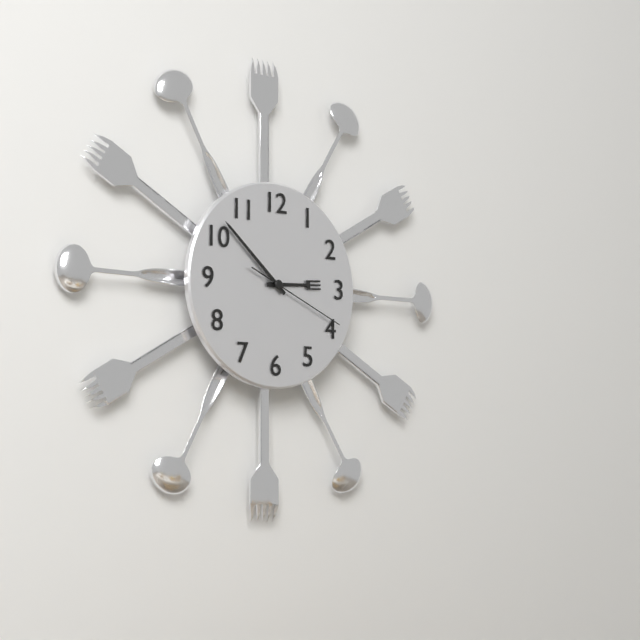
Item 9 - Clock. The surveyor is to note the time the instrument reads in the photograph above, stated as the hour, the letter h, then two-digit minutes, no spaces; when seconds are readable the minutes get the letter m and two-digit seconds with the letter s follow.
2h52m19s
